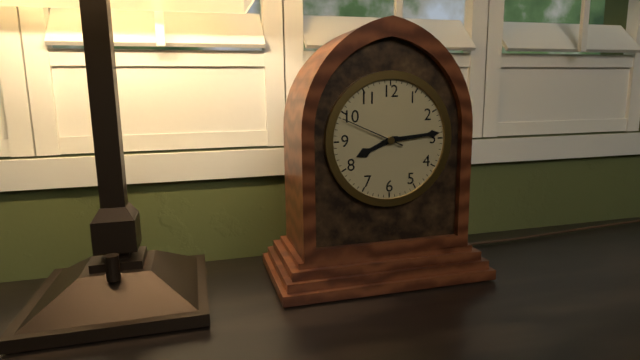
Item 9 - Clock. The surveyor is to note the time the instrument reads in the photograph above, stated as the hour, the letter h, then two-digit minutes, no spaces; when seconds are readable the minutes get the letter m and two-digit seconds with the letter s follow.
8h14m49s
